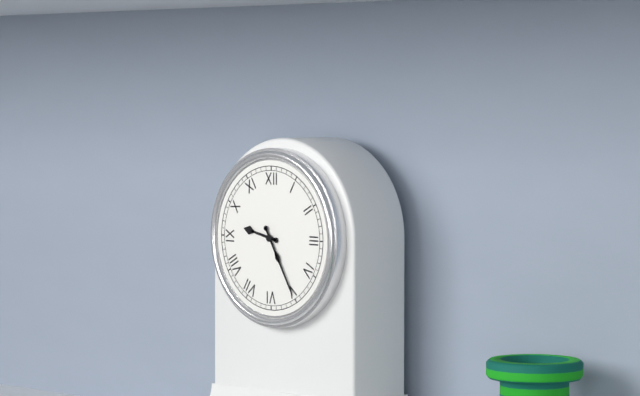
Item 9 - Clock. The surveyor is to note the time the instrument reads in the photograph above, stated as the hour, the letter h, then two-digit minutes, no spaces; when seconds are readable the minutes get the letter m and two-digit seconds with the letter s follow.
9h25
